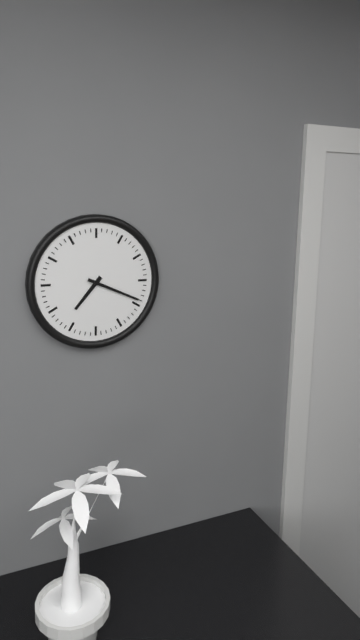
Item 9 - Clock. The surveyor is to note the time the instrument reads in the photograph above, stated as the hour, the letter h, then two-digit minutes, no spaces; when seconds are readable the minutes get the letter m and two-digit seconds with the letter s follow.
7h19
